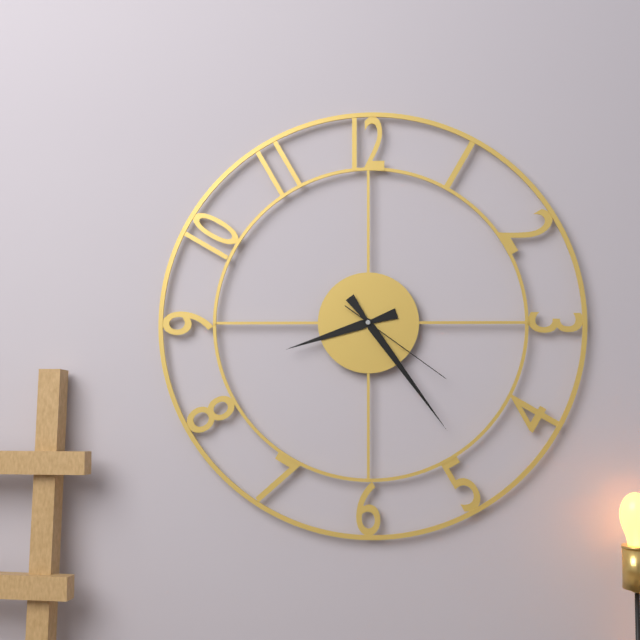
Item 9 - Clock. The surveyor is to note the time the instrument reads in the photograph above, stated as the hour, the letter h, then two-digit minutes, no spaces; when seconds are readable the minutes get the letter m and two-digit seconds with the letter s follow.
8h24m21s
